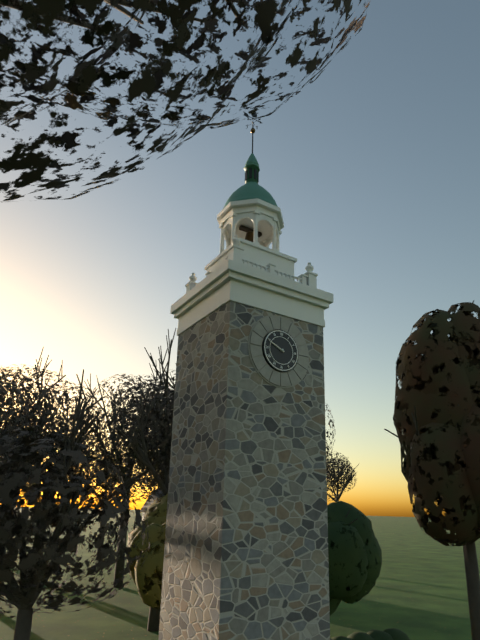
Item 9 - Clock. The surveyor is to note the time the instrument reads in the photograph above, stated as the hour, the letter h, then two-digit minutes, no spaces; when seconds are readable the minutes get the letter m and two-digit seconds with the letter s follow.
9h49
